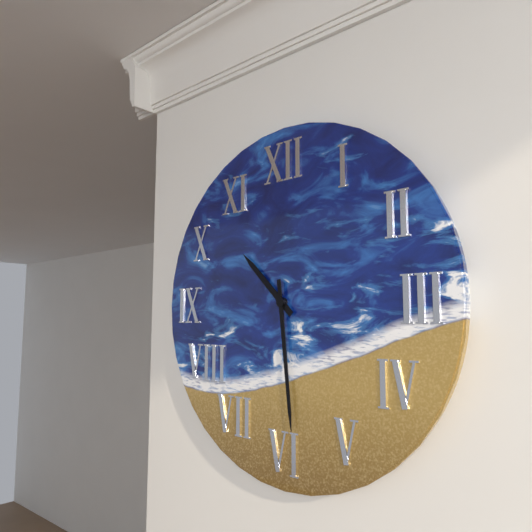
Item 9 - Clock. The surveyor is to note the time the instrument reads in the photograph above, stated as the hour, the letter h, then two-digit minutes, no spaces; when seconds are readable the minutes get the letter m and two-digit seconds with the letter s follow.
10h29
